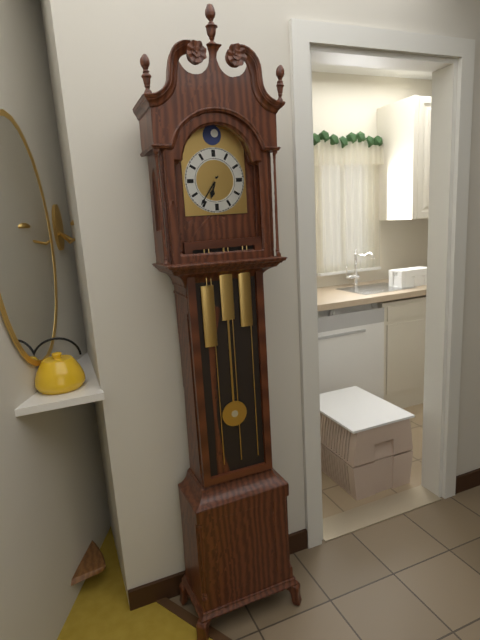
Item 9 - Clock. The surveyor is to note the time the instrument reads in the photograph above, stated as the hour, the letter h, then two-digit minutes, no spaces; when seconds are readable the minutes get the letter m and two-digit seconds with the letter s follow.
6h36
